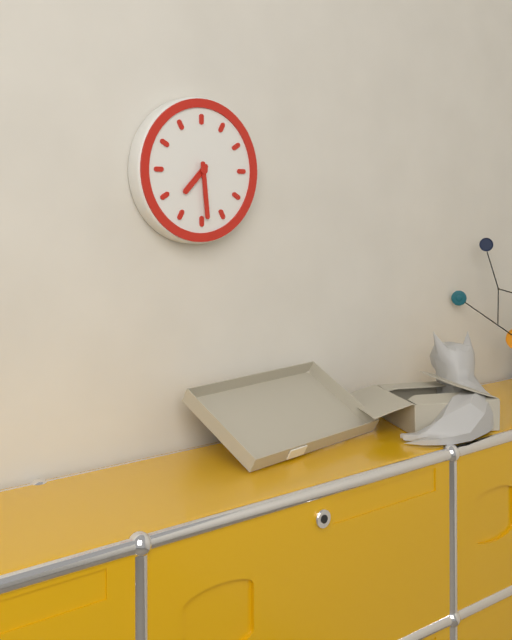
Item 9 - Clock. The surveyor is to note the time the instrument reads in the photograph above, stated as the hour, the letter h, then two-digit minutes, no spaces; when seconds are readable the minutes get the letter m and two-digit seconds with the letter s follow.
7h29
